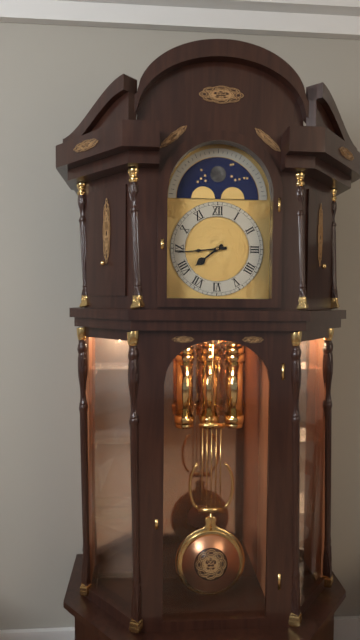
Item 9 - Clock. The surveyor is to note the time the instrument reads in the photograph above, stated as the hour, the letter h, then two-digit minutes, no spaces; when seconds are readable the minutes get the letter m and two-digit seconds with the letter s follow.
7h44
